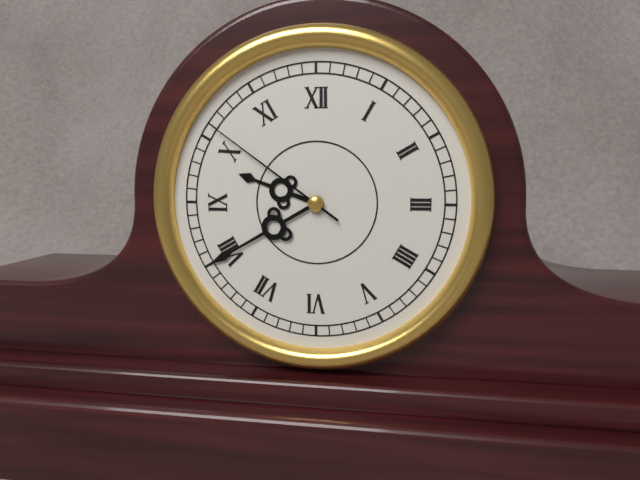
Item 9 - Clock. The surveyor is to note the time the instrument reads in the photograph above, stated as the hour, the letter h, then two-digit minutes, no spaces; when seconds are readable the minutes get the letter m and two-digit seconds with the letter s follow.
9h40m51s
